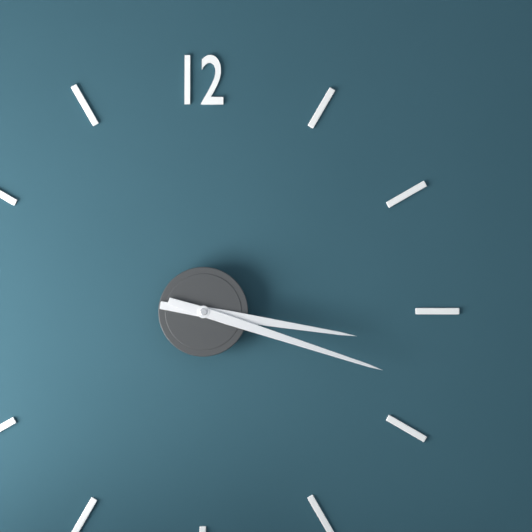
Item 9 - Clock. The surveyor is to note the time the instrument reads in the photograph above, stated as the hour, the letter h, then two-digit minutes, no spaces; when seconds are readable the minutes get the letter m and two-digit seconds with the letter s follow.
3h18
